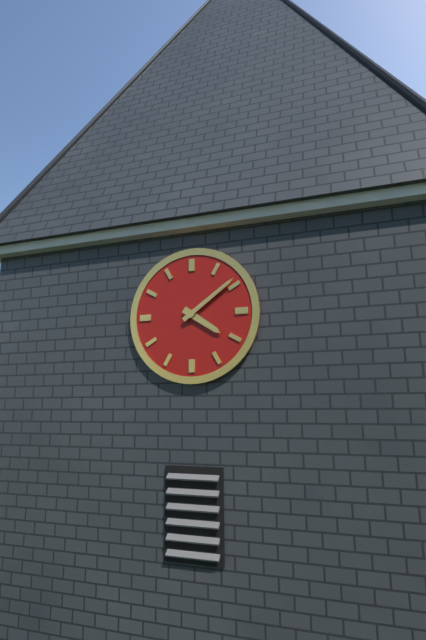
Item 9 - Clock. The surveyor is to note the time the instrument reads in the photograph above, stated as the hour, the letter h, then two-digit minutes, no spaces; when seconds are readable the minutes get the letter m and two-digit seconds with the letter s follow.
4h09
